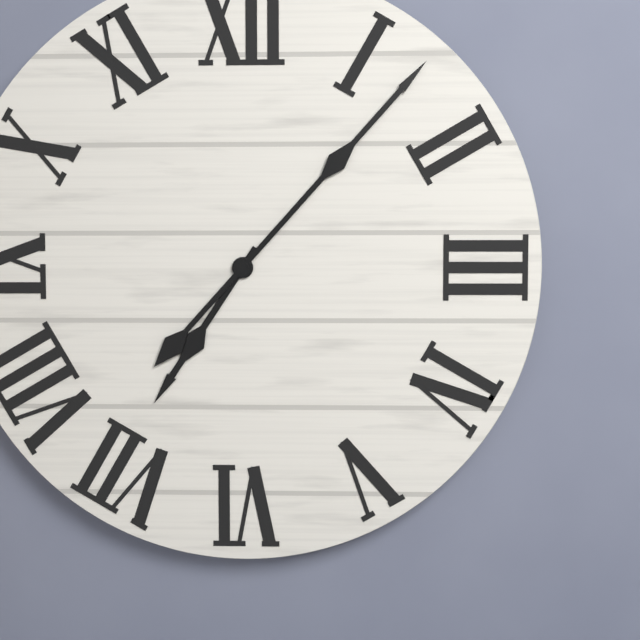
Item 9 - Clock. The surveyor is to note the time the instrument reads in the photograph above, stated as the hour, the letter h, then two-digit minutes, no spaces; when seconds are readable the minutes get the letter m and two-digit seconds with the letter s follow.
7h07
